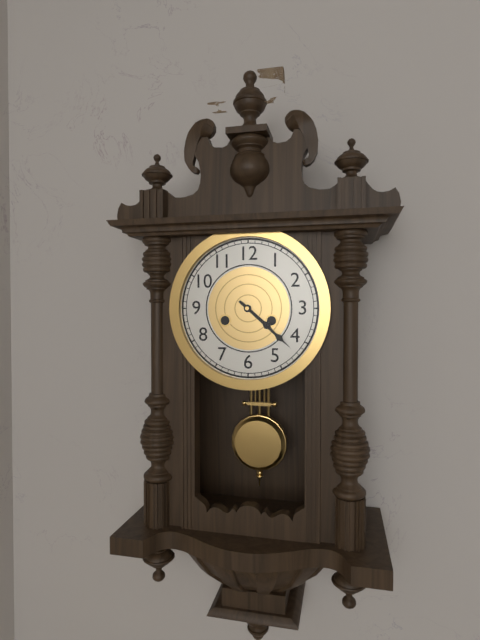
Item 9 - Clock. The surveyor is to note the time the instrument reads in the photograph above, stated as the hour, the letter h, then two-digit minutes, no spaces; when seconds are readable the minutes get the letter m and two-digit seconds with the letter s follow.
4h22
